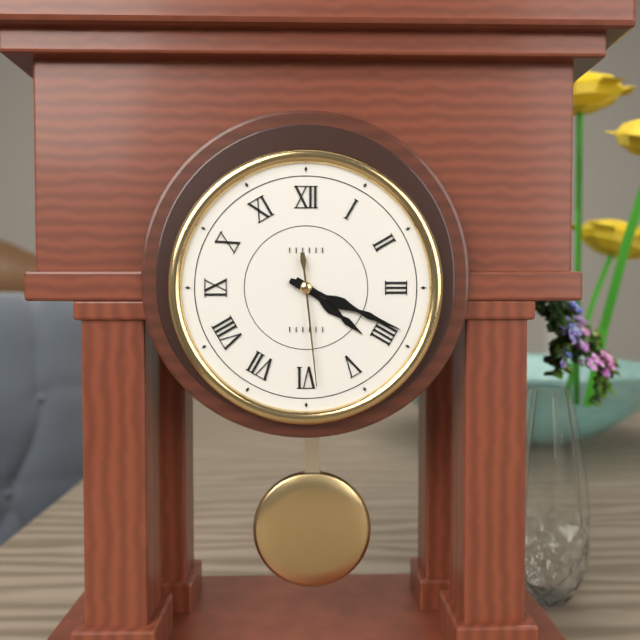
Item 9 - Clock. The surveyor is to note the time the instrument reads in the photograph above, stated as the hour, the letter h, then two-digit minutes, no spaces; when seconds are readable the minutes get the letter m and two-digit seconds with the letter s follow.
4h19m29s
